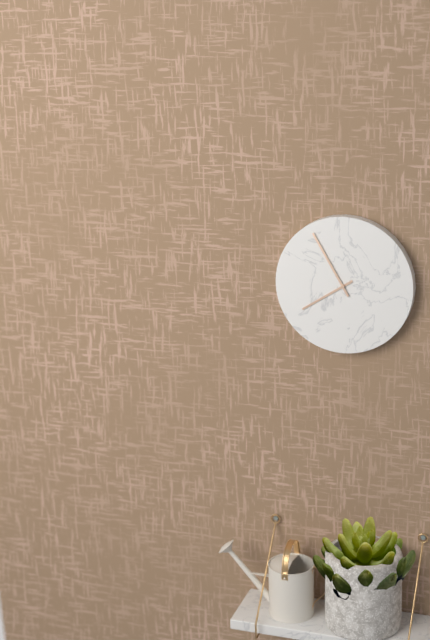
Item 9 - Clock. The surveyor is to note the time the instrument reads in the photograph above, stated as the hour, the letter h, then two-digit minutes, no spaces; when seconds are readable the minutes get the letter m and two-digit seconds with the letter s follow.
7h55
